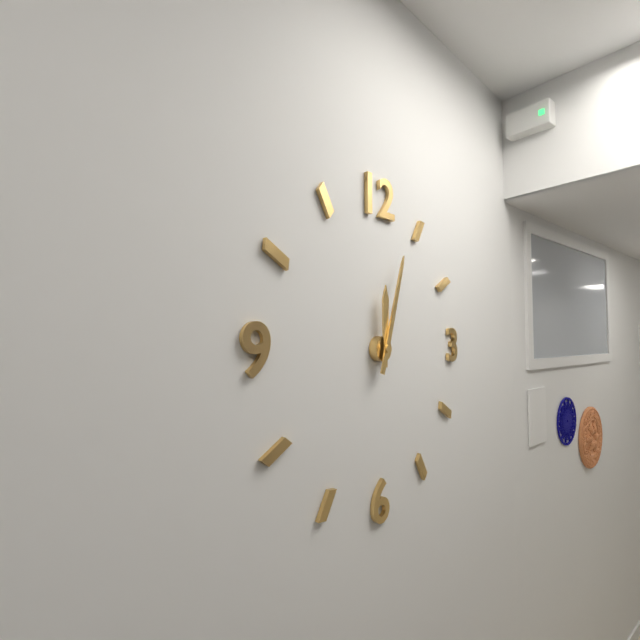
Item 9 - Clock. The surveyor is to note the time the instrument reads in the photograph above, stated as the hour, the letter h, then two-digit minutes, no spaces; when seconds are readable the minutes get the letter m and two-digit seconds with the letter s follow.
12h03
